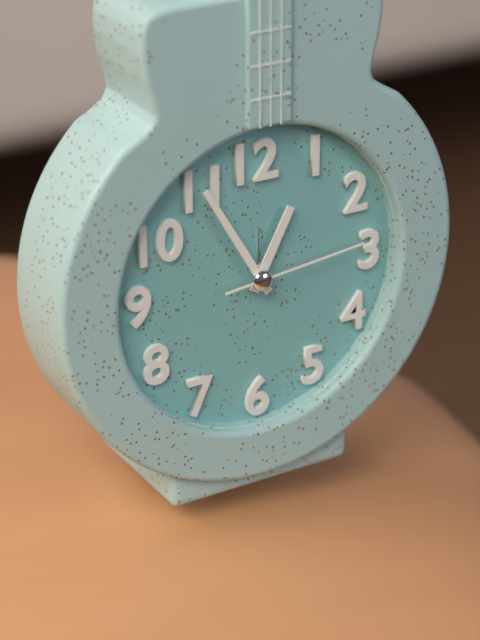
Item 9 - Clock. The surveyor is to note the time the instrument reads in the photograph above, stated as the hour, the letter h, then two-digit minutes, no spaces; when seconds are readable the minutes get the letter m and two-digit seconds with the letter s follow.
12h55m14s
